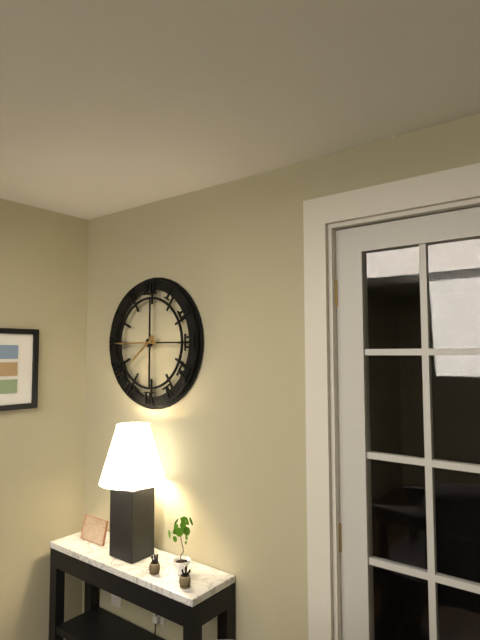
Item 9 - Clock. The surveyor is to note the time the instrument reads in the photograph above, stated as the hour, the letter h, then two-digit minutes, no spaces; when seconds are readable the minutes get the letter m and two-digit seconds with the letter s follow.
7h45
